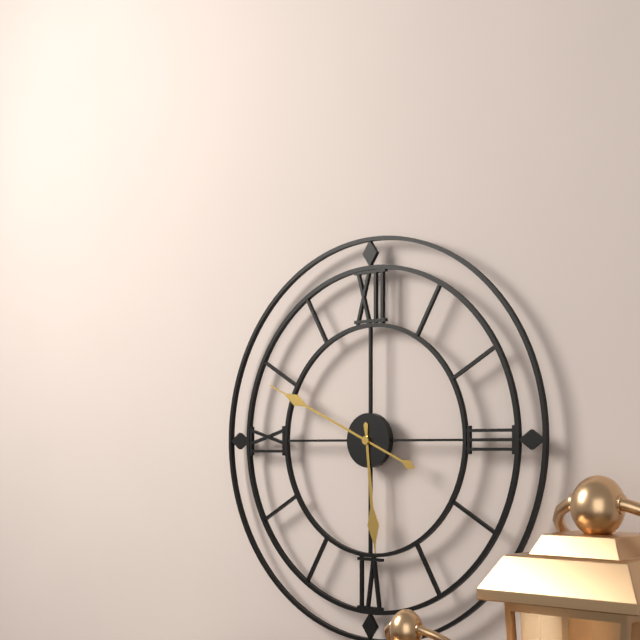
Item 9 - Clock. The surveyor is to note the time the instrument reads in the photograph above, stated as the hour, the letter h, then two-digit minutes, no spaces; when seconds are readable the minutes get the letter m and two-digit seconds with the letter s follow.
5h49
